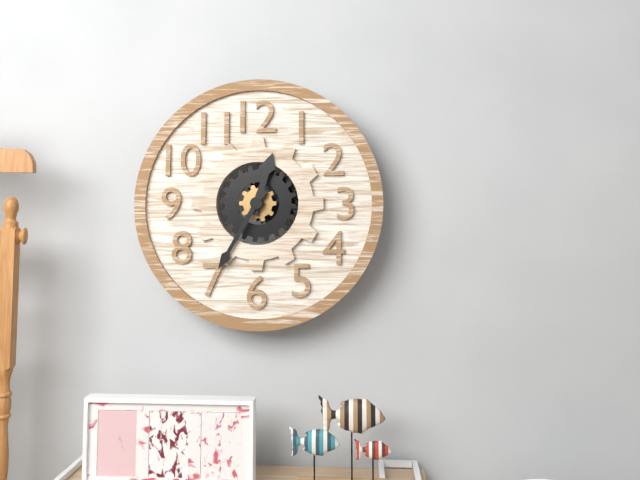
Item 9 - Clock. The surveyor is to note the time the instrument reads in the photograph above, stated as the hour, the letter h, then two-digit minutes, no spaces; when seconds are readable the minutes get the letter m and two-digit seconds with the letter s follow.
12h35
